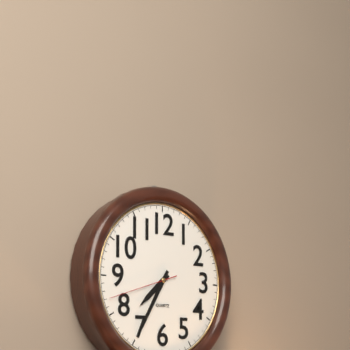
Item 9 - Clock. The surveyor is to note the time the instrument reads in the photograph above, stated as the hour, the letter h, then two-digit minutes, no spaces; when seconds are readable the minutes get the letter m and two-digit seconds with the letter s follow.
7h35m42s
